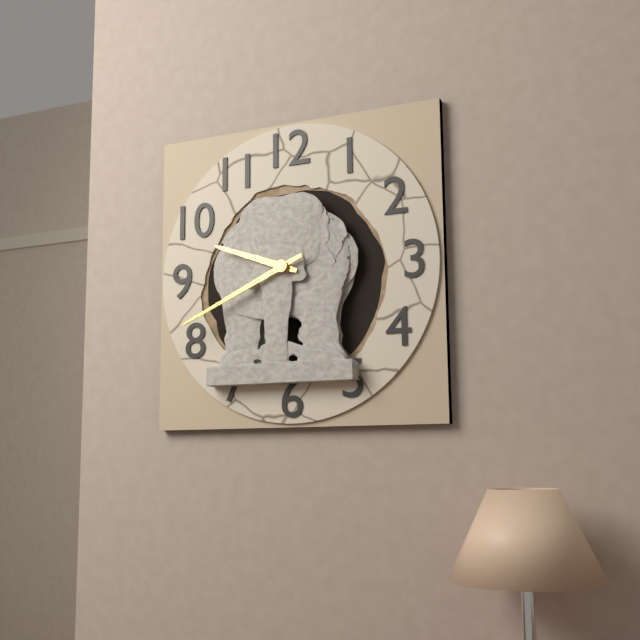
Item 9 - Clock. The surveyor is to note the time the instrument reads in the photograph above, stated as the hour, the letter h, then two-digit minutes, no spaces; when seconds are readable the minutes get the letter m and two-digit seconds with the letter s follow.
9h41
